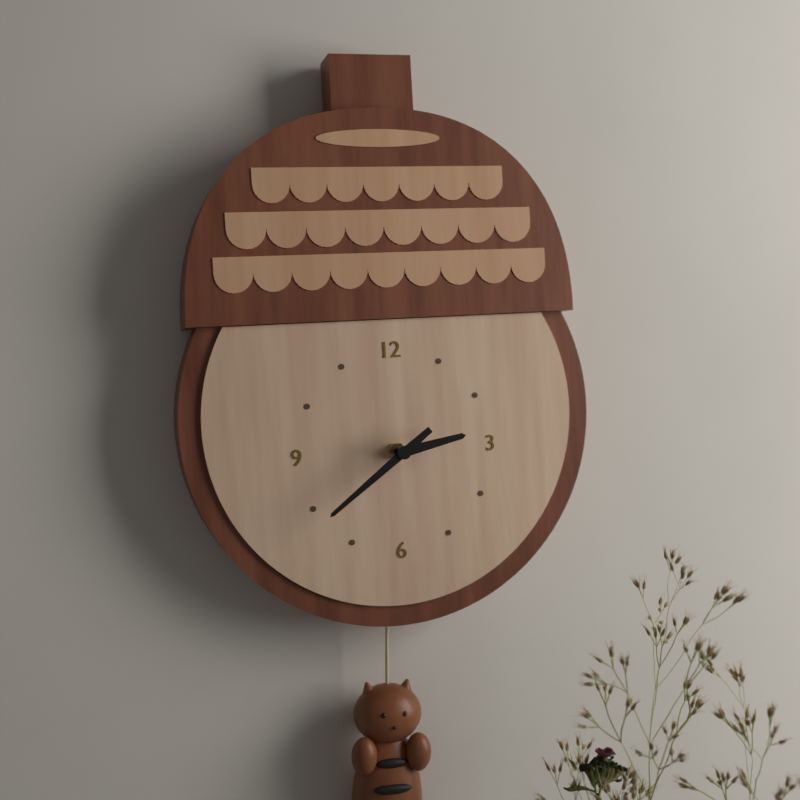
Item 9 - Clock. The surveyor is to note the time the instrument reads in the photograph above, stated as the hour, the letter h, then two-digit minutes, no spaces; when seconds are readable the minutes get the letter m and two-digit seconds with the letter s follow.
2h39
